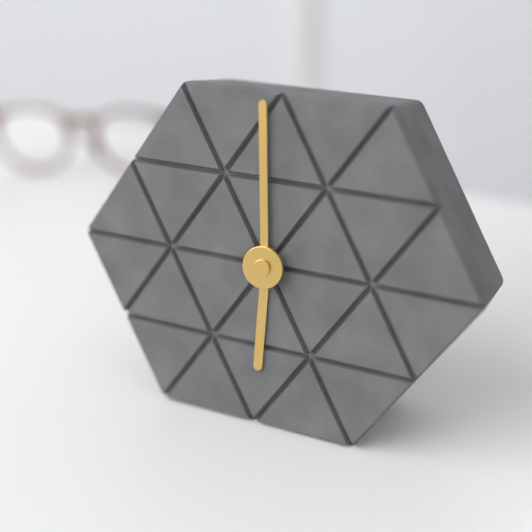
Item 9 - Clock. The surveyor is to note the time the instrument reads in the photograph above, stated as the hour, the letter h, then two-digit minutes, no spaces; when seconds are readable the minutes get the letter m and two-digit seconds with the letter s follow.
5h59
